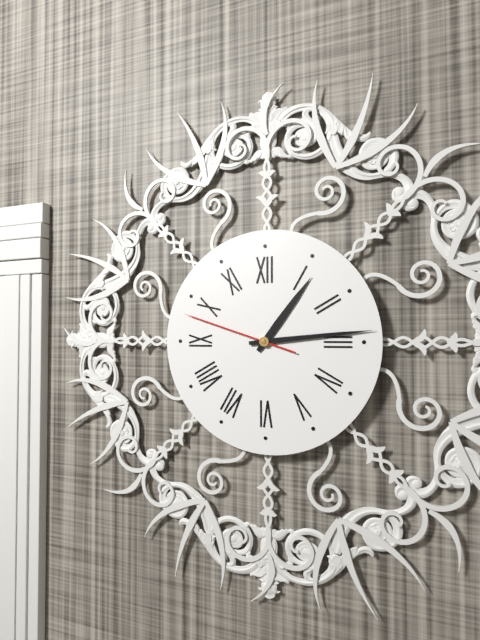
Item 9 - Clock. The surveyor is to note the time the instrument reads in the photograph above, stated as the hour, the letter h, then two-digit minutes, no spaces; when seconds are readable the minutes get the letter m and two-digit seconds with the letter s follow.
1h14m48s
